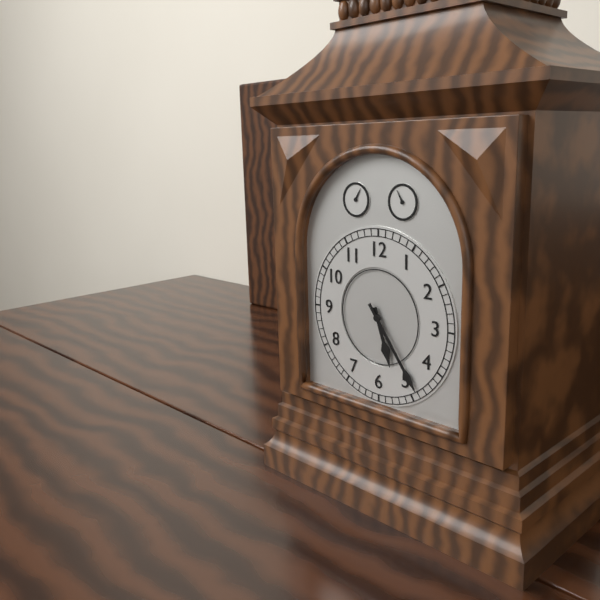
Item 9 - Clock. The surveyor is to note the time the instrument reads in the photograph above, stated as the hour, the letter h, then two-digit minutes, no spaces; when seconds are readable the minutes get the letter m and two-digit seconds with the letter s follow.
5h24
